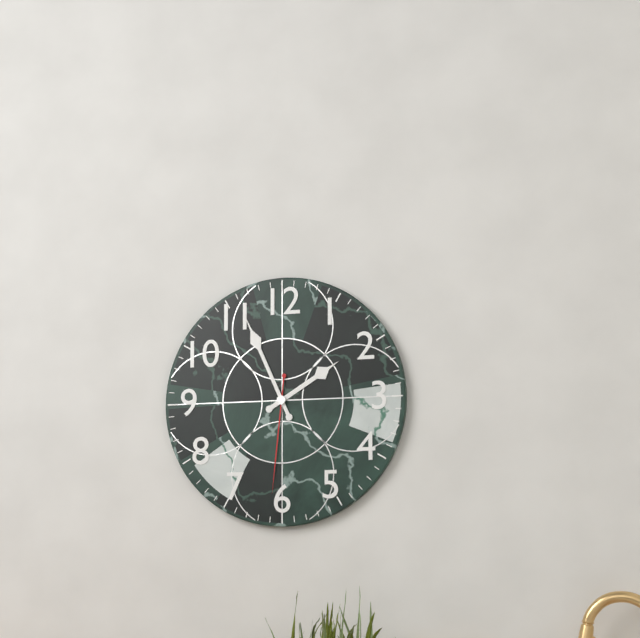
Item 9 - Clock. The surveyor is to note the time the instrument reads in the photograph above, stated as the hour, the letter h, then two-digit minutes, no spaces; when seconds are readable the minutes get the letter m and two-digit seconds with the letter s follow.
1h56m31s
